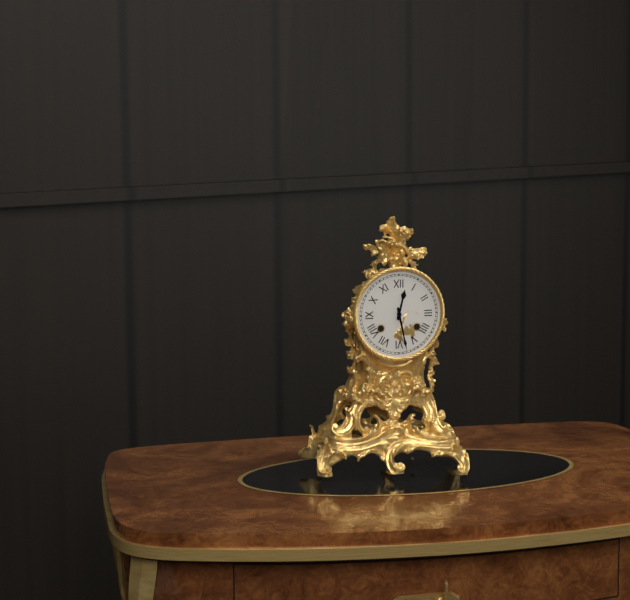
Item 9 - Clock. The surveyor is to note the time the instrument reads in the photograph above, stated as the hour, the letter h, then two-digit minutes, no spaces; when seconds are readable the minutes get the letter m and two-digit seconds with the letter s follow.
12h28
